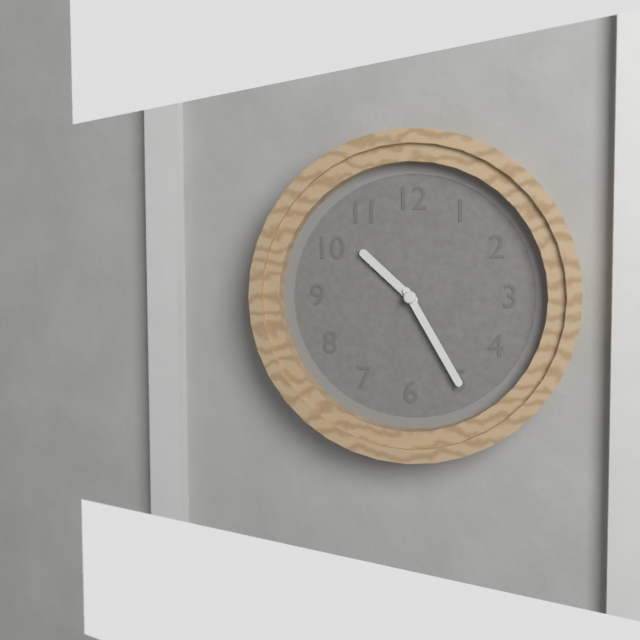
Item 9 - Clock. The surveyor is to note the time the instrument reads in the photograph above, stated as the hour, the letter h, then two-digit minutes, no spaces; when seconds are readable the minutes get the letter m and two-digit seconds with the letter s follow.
10h25
